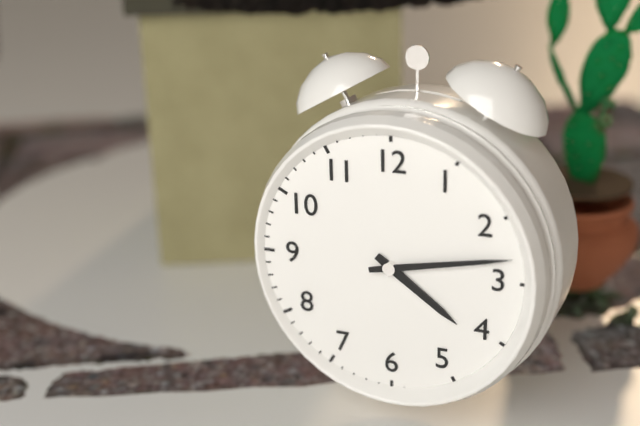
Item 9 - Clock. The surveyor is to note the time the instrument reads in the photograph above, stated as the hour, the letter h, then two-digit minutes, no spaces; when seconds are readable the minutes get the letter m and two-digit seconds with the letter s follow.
4h13
